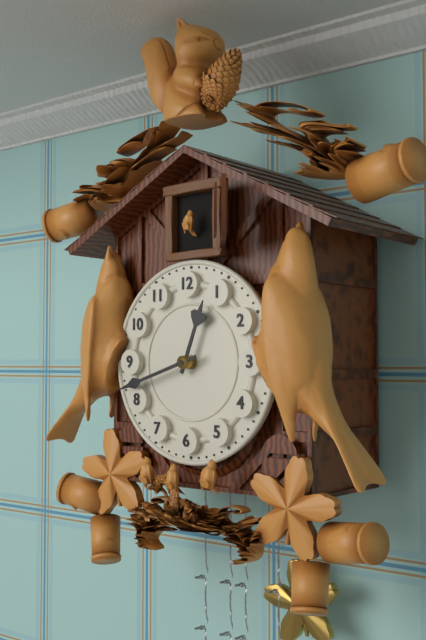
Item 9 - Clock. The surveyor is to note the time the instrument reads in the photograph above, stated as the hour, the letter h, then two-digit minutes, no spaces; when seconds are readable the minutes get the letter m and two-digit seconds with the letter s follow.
12h42
